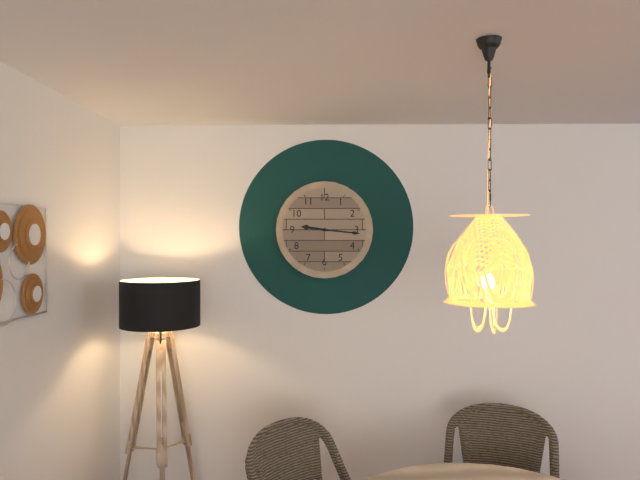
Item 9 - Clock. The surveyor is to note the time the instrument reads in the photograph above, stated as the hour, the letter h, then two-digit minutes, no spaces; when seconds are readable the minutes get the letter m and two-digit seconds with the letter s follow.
9h16
